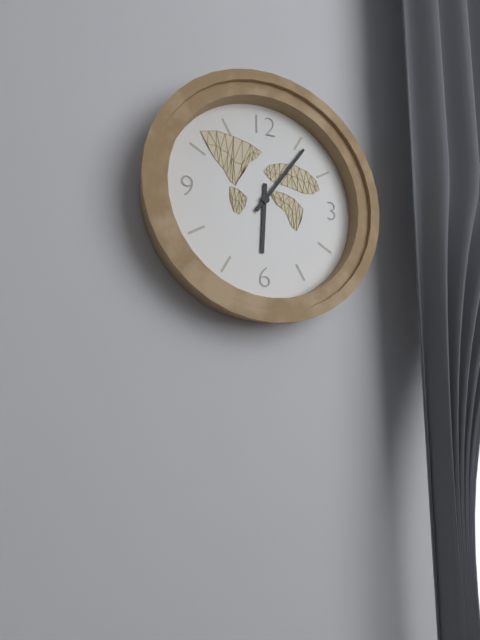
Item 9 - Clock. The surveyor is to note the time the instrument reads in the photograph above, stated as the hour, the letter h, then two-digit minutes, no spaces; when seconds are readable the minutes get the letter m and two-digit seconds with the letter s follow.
6h06
